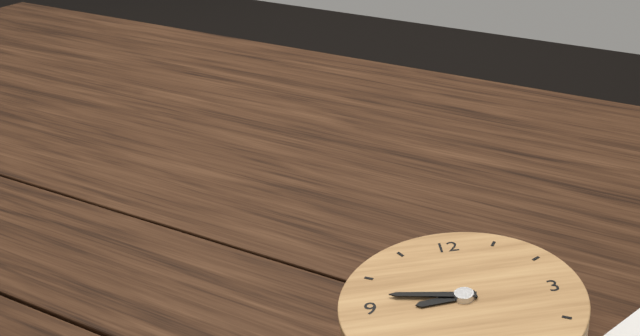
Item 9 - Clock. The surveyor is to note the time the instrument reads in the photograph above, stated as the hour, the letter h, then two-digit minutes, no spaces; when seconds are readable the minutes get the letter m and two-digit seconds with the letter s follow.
8h47
